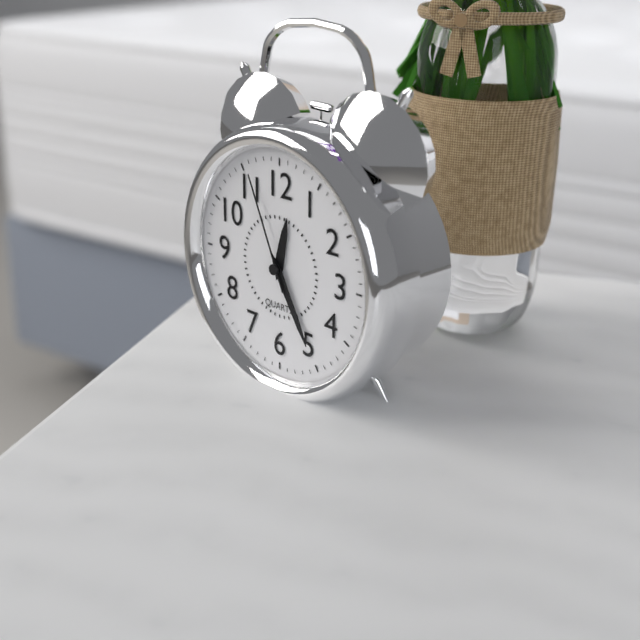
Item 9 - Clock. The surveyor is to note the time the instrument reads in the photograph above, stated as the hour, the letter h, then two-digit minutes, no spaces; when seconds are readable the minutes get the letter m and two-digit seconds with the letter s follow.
12h25m56s
